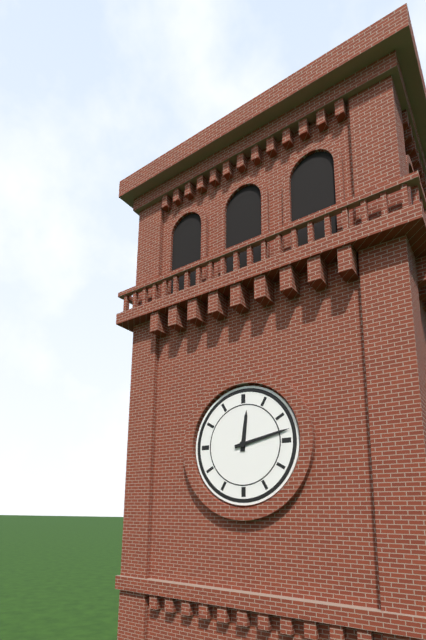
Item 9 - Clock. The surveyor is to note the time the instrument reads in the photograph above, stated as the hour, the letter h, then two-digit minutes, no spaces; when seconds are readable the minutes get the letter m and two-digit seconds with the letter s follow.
12h13
